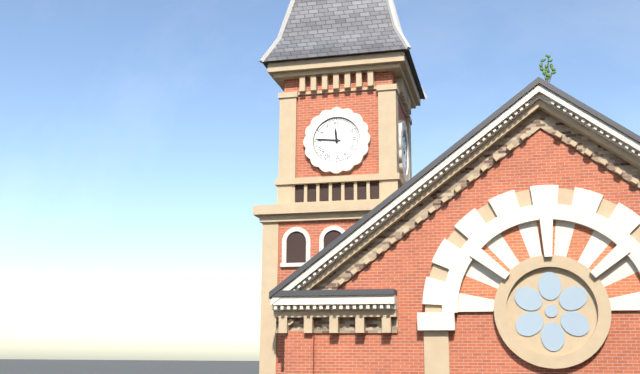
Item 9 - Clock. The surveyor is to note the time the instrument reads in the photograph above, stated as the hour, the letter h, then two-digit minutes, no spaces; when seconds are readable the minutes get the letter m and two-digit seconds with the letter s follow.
11h46
